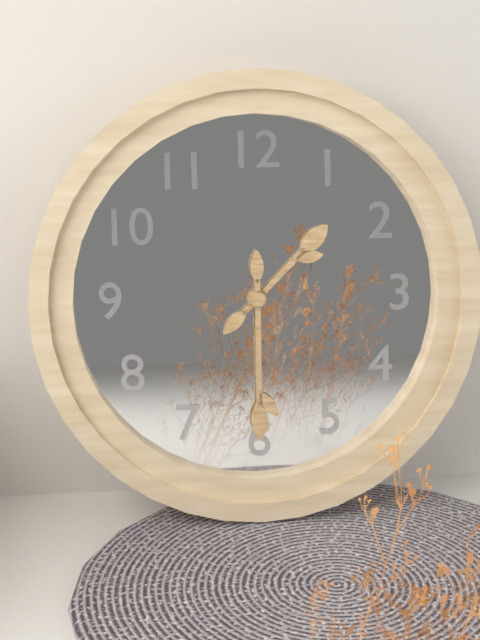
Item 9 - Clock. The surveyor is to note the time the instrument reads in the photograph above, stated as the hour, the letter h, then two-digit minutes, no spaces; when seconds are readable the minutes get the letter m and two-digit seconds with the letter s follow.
1h30
